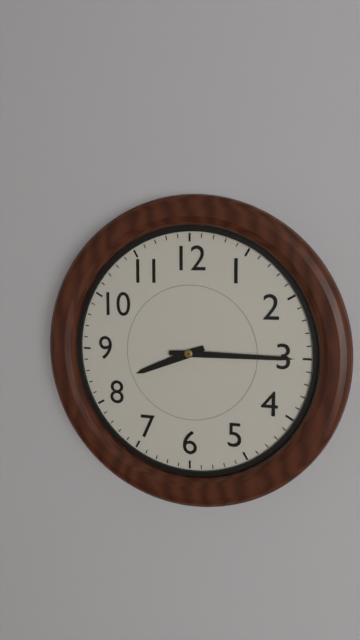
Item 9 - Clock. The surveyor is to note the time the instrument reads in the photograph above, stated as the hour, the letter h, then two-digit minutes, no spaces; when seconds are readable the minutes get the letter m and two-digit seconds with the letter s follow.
8h15
